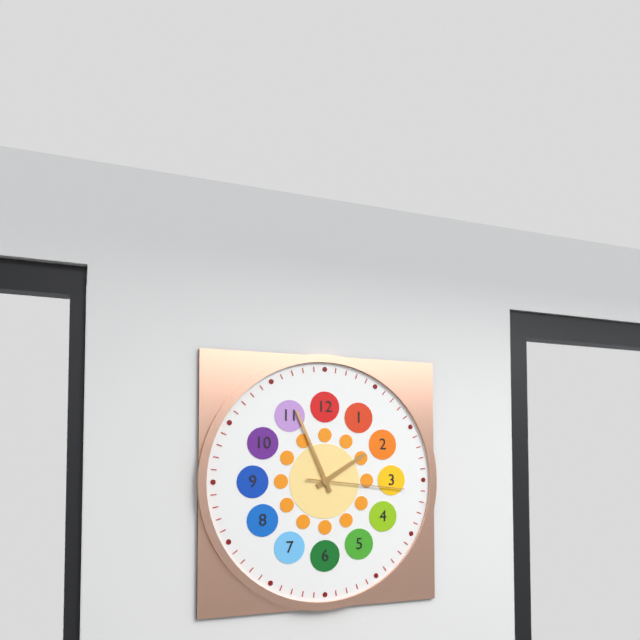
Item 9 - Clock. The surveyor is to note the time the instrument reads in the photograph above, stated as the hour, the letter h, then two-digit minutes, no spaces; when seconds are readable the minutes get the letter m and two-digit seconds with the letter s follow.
1h56m16s
